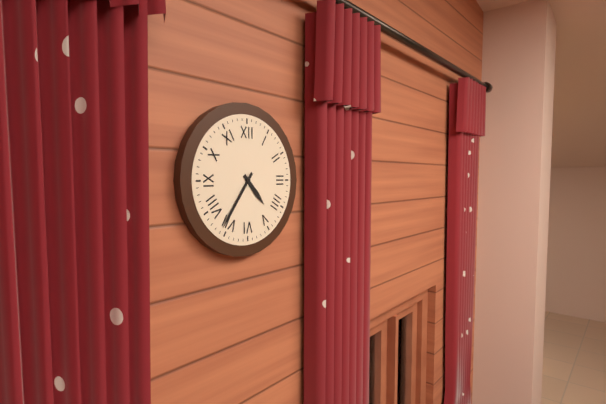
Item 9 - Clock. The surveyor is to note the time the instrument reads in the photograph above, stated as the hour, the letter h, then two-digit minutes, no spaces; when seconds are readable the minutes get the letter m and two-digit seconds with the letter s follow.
4h36
